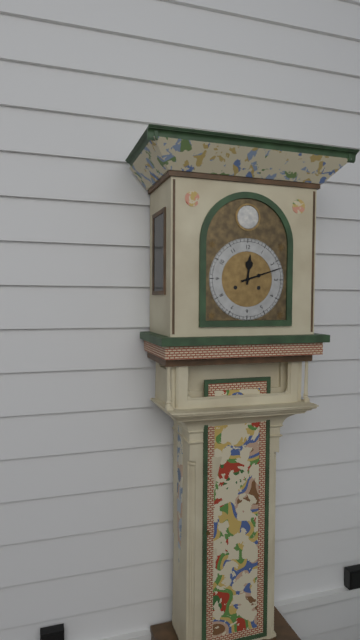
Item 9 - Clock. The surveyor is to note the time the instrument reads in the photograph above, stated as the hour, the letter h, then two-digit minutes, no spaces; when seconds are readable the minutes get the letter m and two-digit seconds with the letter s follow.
12h12
